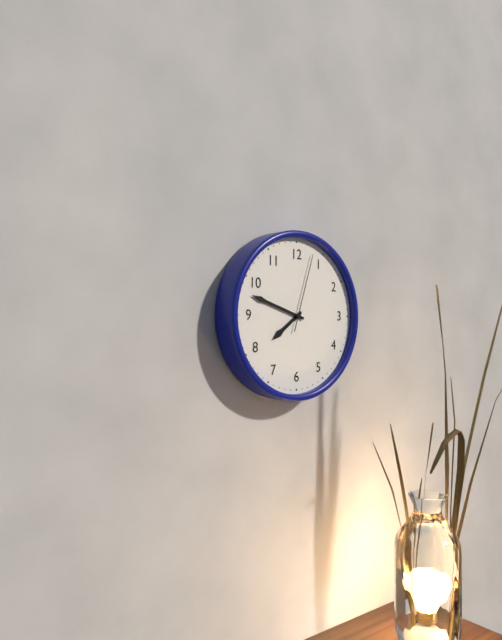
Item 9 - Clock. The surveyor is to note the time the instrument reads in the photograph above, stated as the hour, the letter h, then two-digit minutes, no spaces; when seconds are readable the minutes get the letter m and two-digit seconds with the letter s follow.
7h48m03s
